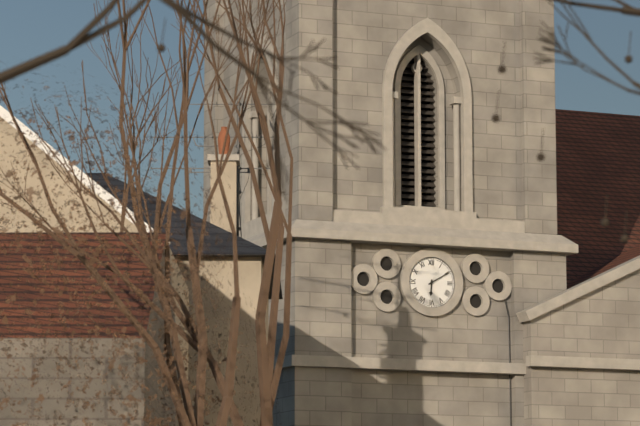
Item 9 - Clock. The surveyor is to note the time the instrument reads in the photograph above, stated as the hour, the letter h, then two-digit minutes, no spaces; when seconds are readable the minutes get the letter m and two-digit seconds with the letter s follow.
6h10
